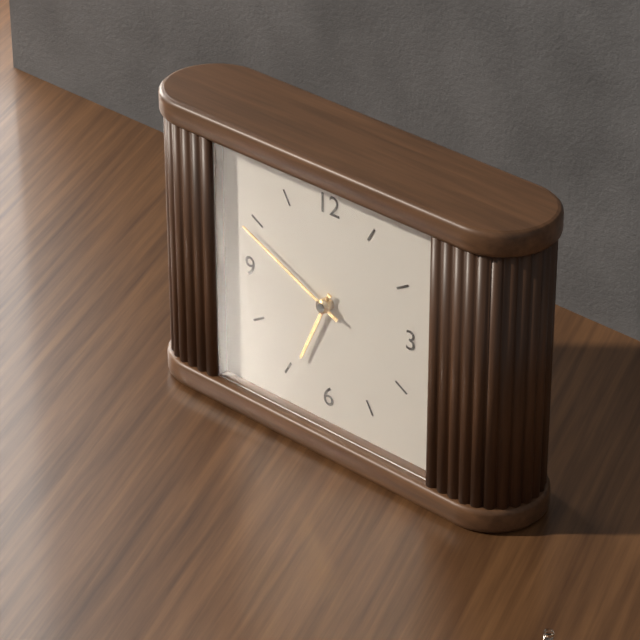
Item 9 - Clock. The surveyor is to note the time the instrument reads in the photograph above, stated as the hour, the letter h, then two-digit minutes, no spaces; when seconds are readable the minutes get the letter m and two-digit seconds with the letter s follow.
6h49
